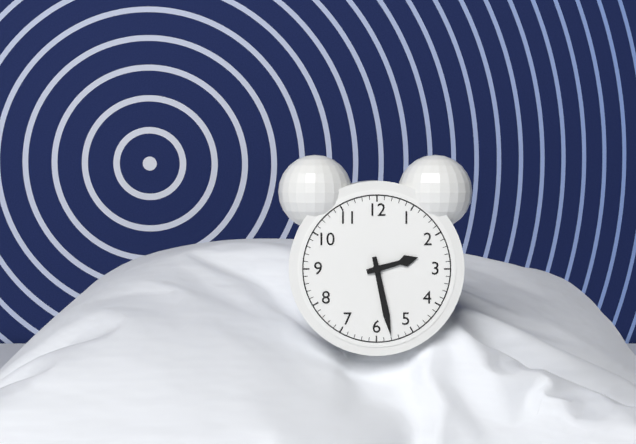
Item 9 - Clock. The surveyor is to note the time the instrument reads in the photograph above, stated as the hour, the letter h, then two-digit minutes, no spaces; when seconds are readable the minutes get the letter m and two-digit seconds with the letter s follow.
2h28
